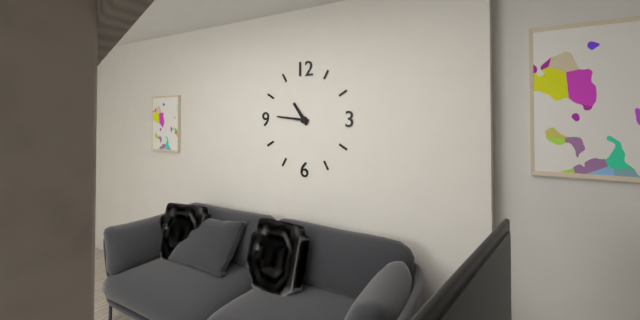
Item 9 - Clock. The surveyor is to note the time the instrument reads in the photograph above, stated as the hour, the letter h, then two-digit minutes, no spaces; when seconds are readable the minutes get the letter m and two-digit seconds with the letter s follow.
10h46
